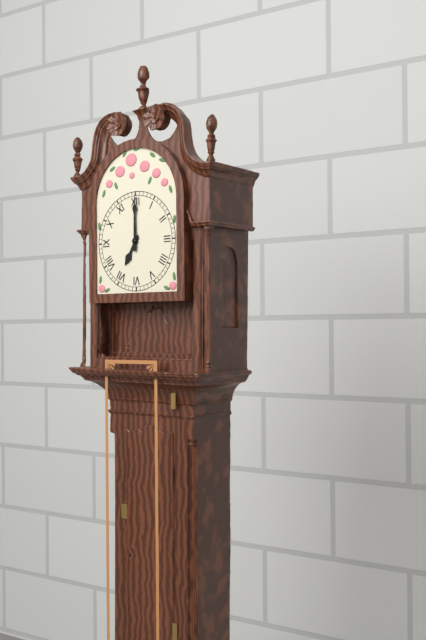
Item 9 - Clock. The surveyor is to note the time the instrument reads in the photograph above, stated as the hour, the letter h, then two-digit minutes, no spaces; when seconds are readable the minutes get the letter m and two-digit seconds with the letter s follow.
7h00
